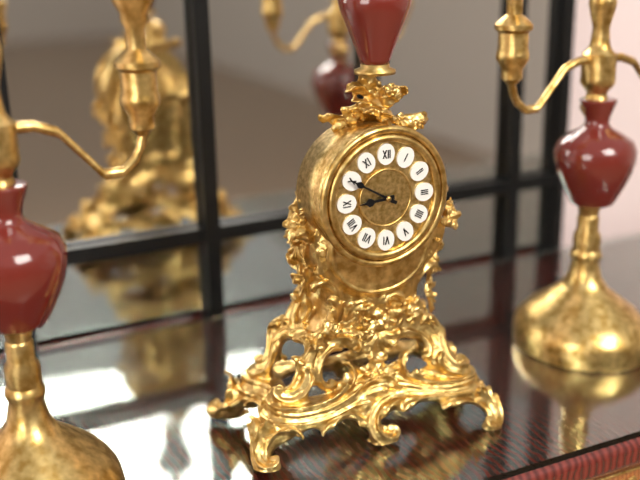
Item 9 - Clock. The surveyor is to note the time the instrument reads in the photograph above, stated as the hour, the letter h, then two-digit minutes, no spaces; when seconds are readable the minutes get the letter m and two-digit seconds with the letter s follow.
8h50
